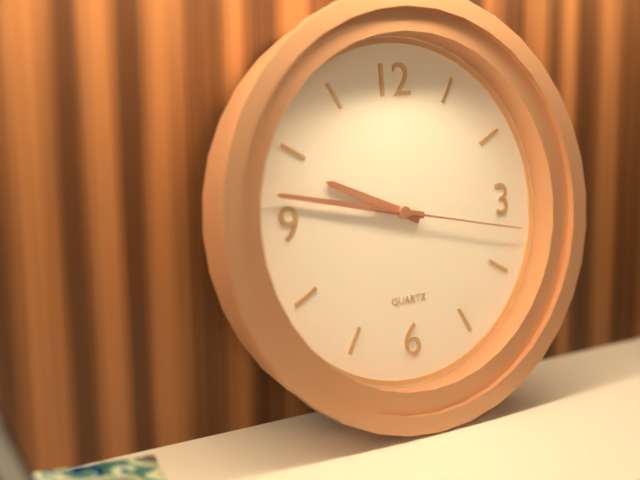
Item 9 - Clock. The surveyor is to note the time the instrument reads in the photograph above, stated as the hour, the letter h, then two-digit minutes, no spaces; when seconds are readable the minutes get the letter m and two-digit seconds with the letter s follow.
9h47m17s
